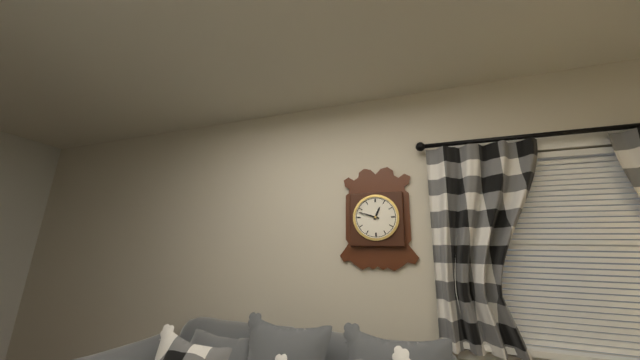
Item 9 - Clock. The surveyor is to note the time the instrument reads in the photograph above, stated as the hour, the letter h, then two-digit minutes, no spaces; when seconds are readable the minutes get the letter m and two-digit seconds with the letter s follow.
12h48
